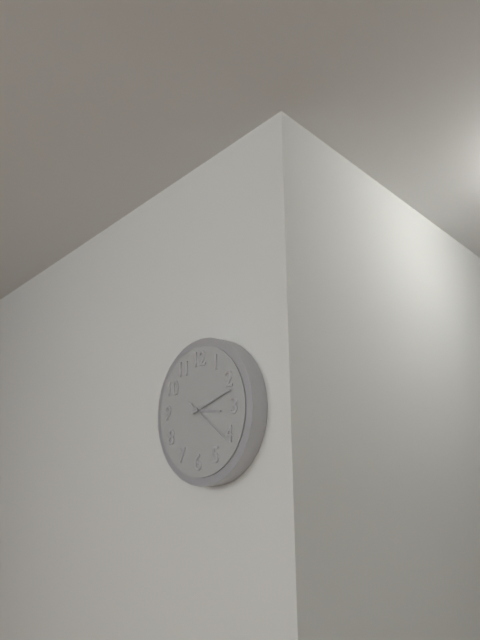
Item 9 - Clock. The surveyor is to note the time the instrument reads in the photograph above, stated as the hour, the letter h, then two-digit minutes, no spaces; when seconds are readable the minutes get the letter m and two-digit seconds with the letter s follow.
3h12m21s
